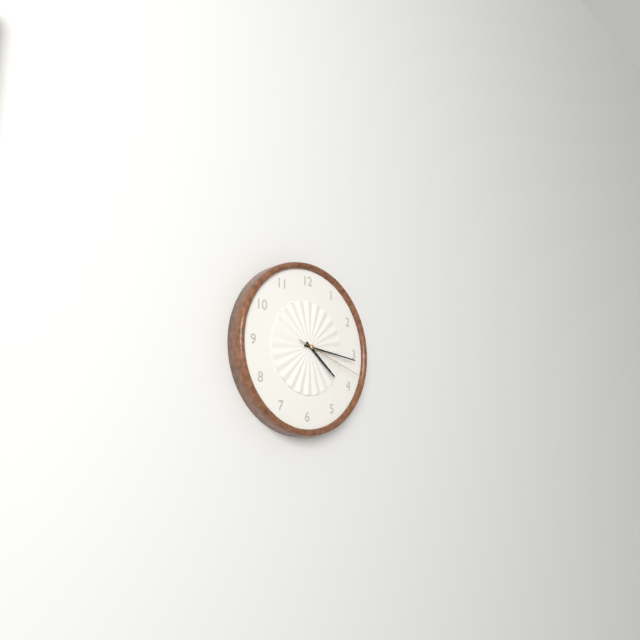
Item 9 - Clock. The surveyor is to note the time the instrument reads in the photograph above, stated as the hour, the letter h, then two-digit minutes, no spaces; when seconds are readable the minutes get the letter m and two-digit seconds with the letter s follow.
4h16m18s
